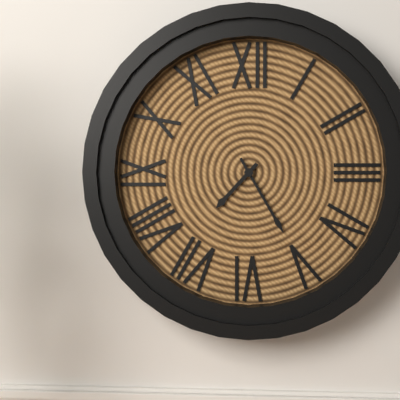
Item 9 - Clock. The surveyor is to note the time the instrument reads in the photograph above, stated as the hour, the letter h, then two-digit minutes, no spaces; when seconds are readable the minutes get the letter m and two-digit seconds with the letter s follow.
7h25
